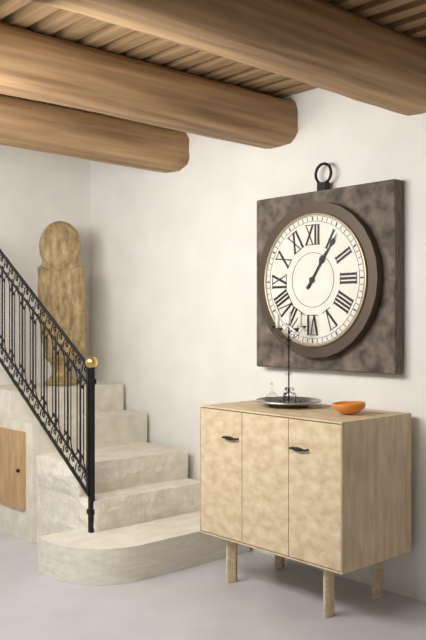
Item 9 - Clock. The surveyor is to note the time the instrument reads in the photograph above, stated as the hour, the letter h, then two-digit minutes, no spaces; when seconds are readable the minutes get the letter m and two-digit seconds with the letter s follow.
1h06
